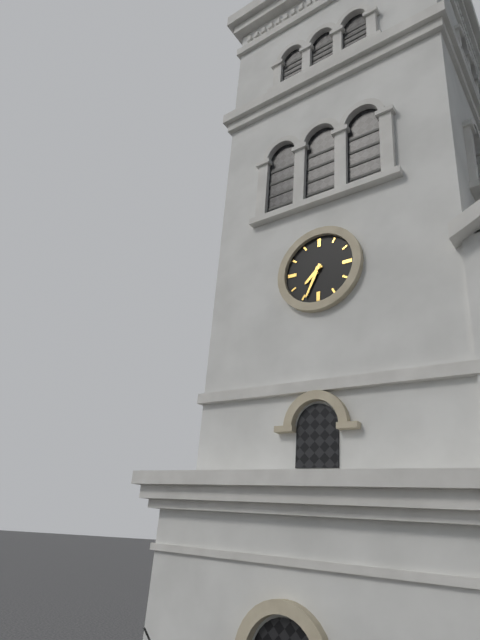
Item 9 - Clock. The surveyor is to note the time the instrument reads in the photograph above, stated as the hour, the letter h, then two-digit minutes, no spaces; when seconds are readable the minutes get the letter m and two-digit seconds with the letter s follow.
7h34
